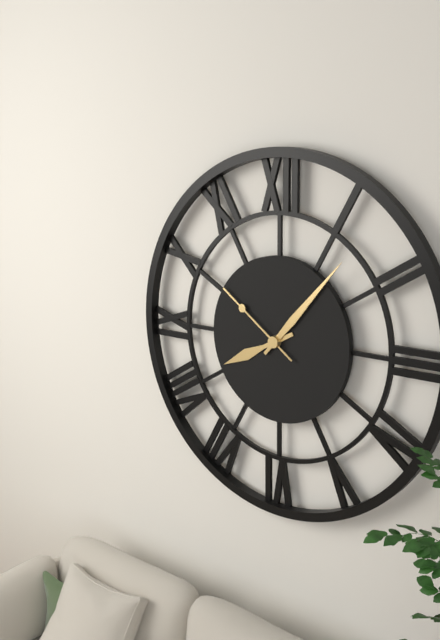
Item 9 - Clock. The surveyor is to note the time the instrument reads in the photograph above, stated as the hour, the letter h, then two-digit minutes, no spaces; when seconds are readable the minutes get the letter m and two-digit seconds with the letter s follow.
8h07m51s
